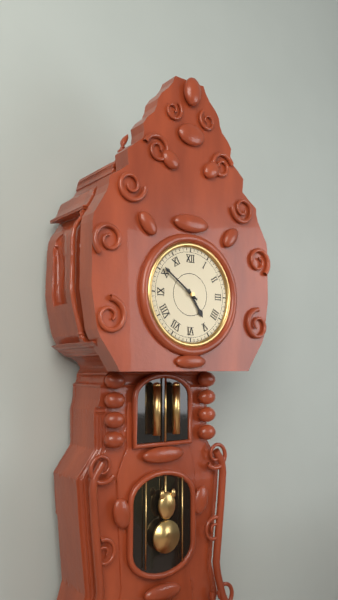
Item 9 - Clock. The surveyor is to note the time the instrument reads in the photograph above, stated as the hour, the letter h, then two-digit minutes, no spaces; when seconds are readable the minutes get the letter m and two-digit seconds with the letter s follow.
4h51
